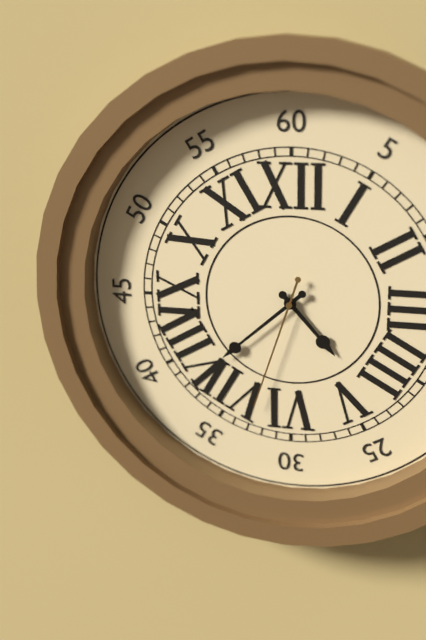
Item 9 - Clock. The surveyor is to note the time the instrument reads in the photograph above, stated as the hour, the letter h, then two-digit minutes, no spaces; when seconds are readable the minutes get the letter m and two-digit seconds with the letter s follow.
4h38m33s
